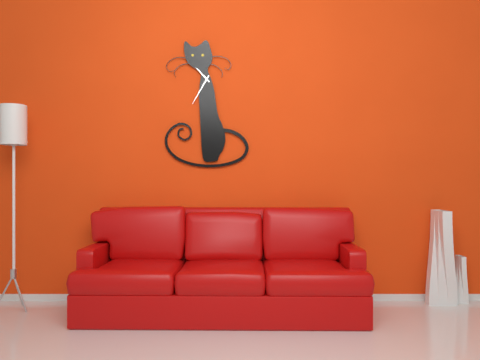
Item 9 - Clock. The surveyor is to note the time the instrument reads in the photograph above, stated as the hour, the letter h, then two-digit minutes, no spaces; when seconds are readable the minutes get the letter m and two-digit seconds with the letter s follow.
10h35
